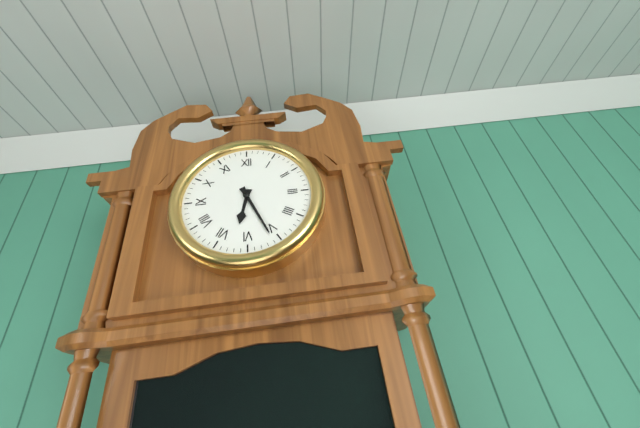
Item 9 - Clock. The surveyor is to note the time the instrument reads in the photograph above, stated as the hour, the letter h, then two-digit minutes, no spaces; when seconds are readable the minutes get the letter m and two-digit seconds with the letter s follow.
6h26
